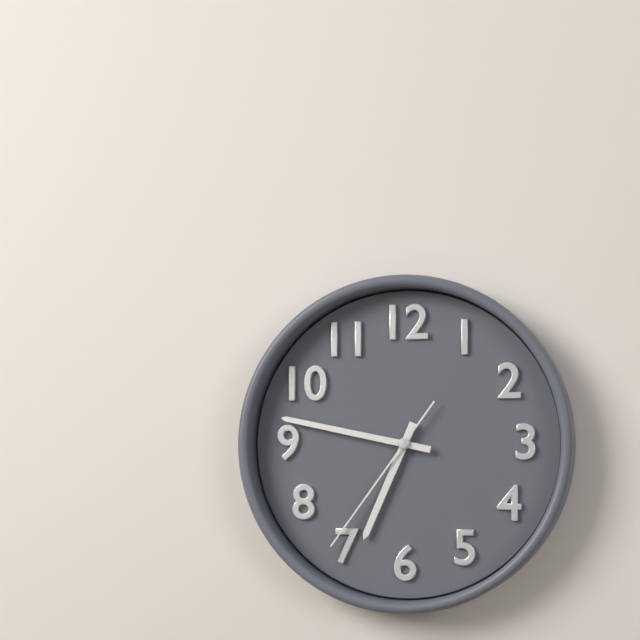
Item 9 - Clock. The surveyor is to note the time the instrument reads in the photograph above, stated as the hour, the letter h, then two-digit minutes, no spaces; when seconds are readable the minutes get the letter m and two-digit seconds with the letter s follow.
6h47m36s
